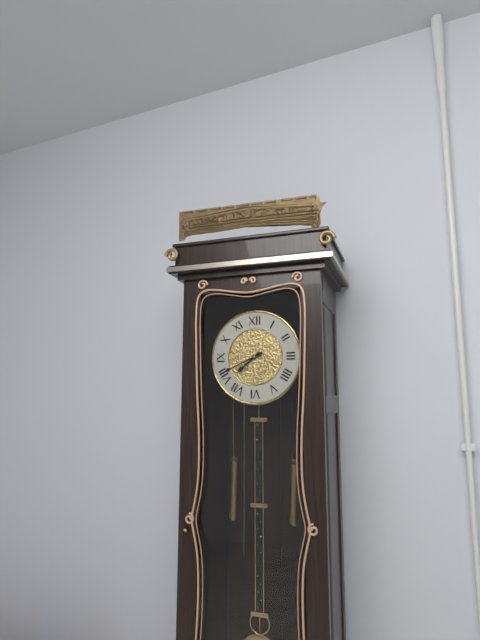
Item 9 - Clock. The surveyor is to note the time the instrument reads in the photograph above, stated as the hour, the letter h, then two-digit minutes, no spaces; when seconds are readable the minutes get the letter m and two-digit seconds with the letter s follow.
7h41
